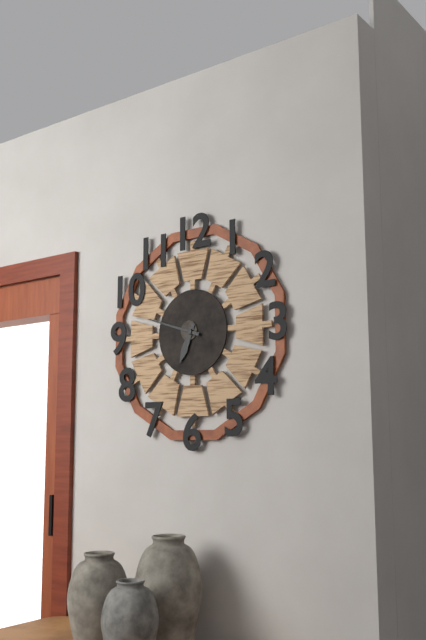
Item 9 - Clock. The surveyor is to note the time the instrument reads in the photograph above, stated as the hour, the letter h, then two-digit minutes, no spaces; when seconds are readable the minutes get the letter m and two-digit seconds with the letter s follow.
6h48
